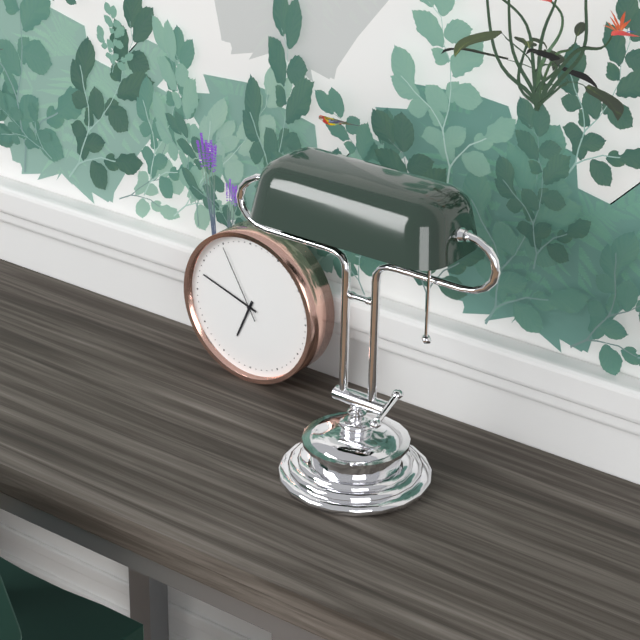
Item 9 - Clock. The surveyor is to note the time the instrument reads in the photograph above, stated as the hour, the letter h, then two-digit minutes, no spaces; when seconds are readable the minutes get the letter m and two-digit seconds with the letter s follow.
6h48m55s
